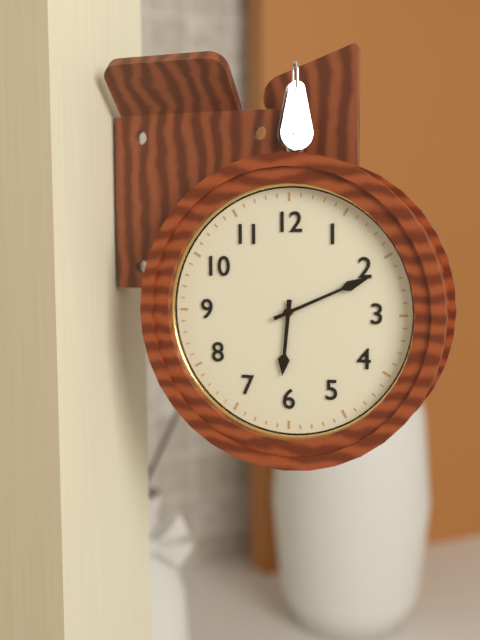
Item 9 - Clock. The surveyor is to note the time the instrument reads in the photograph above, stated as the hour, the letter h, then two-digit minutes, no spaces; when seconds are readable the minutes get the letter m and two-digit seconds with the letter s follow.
6h11
